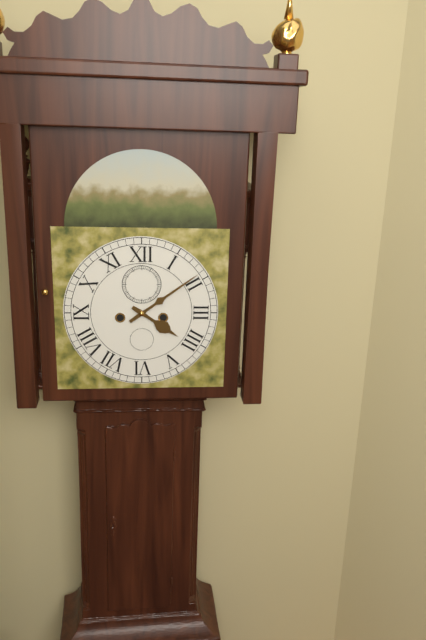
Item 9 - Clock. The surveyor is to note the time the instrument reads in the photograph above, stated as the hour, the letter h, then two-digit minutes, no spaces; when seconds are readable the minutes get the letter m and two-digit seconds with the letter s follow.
4h09
